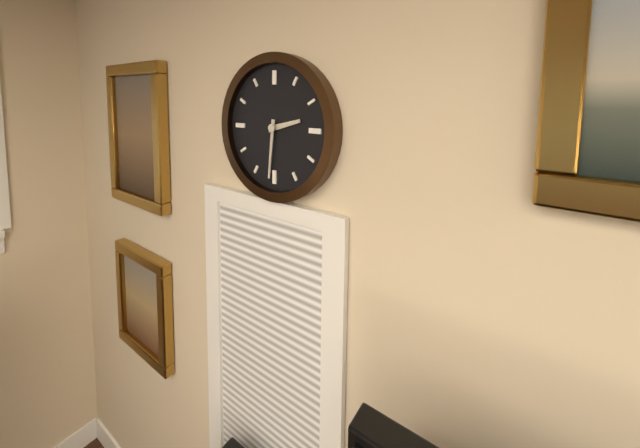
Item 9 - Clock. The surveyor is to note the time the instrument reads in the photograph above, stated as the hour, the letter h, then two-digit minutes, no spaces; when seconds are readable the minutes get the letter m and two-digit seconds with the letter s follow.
2h31
